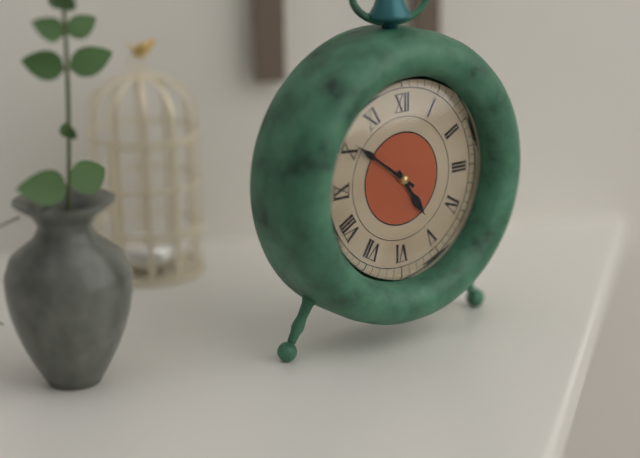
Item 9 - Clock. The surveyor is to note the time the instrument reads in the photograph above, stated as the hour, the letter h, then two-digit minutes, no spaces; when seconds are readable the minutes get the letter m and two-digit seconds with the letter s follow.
4h51
